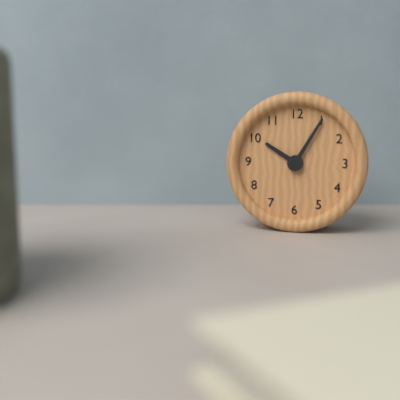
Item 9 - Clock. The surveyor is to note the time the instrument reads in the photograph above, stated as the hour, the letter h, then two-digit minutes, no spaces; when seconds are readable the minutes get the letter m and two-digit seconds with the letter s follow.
10h05
